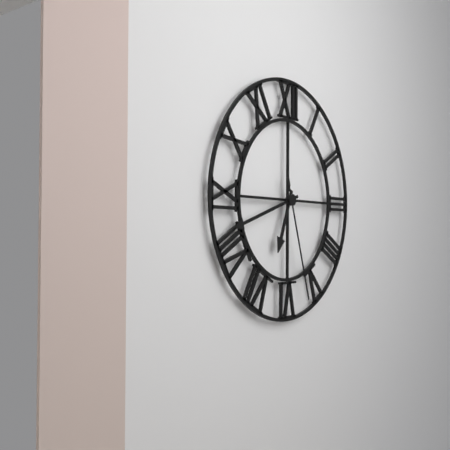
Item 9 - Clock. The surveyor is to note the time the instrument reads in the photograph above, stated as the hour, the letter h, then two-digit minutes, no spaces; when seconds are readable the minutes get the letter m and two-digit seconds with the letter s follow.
6h42m27s
